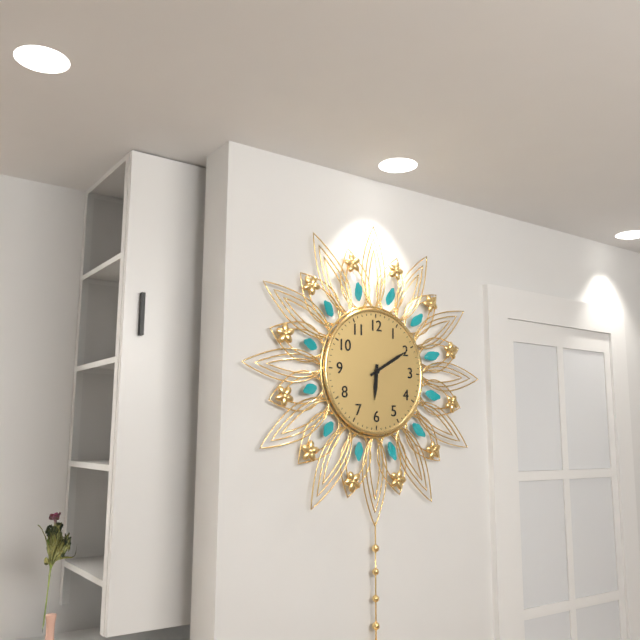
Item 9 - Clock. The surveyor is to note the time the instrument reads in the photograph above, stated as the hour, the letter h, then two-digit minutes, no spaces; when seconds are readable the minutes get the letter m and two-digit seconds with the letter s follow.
6h10
